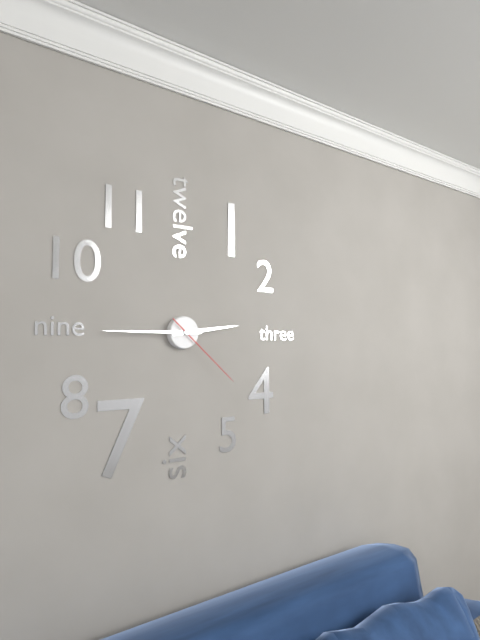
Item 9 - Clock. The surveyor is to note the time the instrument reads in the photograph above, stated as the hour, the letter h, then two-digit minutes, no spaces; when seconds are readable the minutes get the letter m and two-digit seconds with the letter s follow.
2h45m22s
